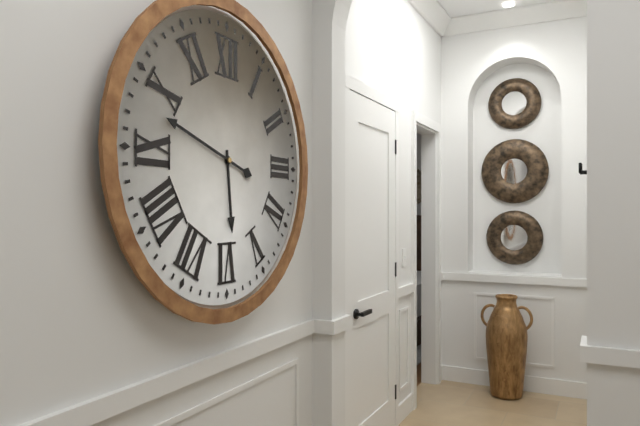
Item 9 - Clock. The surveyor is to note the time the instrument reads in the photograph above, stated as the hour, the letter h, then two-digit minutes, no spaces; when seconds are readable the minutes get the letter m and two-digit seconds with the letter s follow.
5h48
